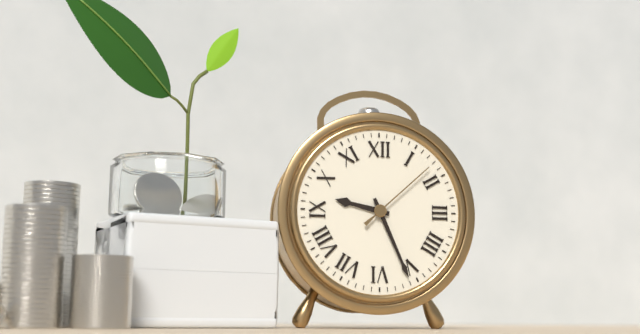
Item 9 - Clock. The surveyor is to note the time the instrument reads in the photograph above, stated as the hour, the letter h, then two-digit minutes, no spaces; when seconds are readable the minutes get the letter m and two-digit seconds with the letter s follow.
9h26m08s
